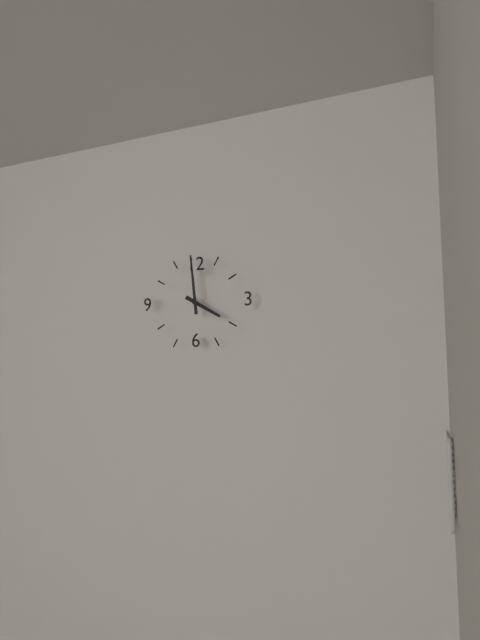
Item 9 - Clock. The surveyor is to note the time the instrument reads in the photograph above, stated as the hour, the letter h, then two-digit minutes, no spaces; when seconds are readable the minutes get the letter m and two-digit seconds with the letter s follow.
3h59
